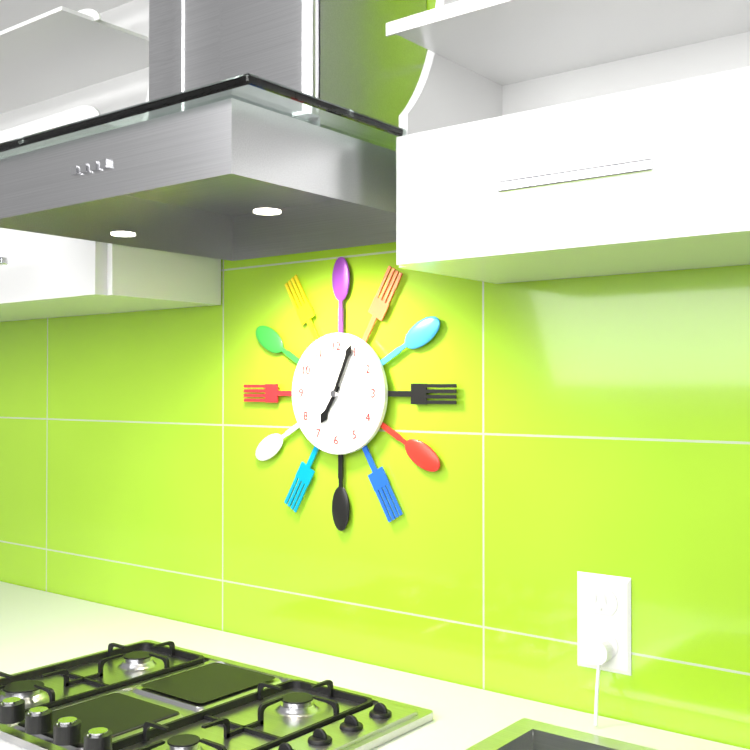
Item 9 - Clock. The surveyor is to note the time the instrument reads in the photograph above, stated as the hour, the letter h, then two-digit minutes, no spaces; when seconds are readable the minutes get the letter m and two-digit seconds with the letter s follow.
7h04
